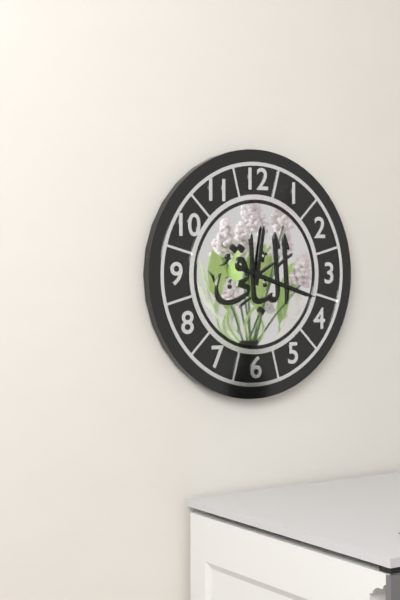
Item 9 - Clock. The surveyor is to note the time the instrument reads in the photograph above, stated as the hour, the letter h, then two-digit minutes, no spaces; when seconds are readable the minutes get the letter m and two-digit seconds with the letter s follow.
12h18
